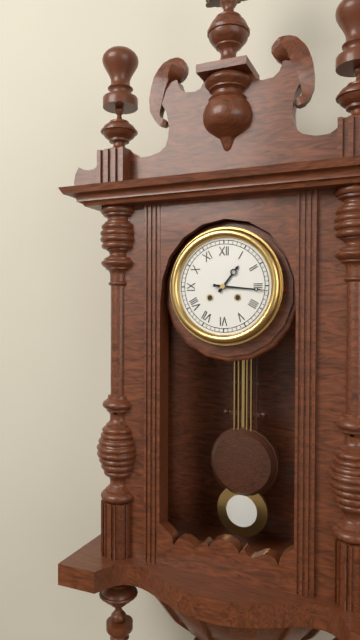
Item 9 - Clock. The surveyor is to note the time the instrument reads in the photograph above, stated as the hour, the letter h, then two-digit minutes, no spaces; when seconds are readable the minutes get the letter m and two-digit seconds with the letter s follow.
1h16
